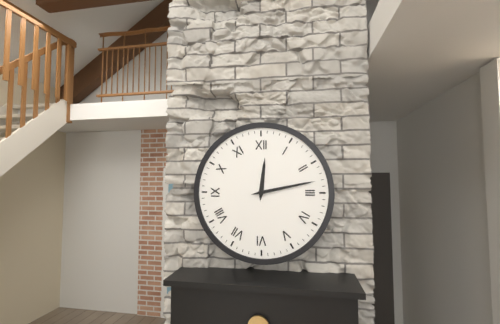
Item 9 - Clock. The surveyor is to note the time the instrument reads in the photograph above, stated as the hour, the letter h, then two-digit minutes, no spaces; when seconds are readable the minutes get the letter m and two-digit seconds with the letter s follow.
12h13
